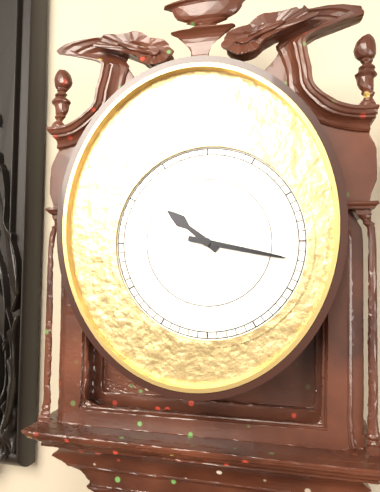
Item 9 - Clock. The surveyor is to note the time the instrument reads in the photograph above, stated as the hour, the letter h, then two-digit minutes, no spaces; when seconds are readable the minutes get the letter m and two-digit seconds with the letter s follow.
10h17
